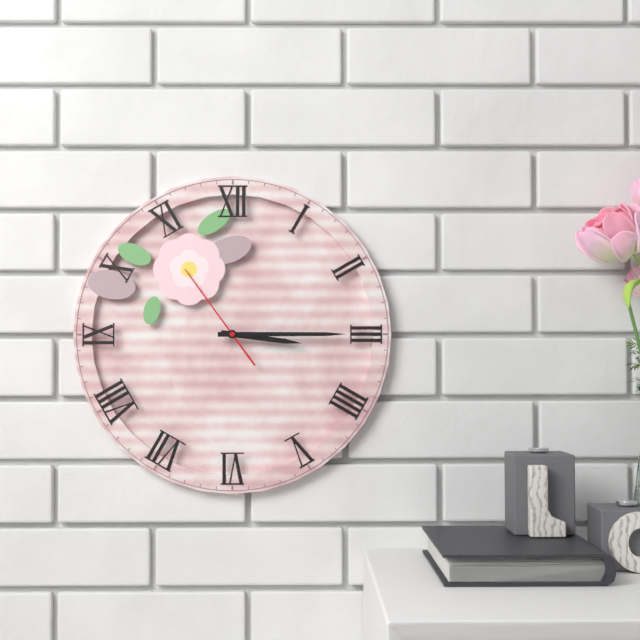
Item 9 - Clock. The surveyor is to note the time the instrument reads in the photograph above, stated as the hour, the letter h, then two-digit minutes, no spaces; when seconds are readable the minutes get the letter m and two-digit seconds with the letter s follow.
3h15m54s
